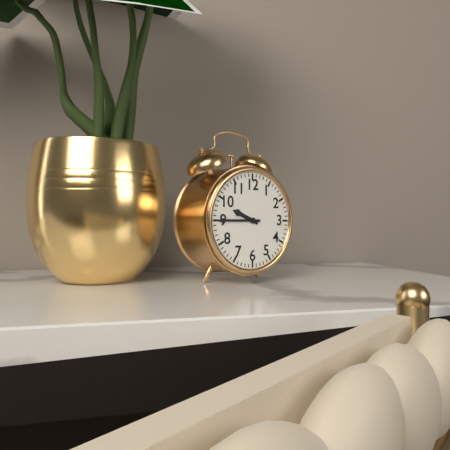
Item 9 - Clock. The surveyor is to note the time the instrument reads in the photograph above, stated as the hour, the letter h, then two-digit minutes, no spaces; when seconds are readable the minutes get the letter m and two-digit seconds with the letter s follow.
9h45
